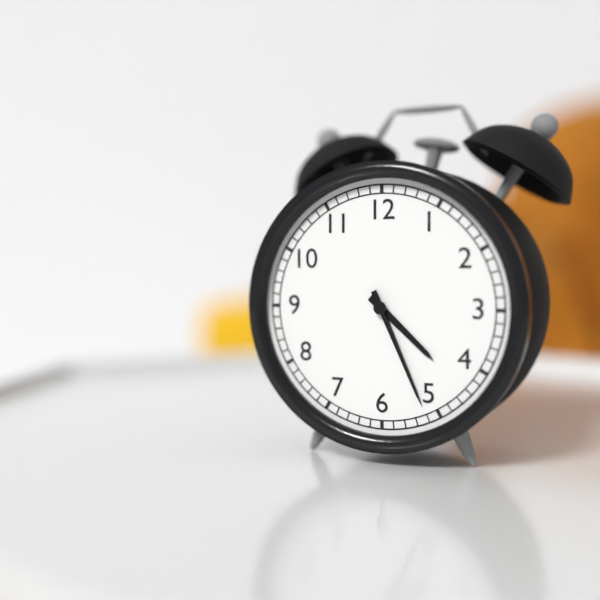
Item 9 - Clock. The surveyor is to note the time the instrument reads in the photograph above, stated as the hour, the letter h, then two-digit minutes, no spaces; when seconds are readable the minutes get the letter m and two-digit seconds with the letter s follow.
4h26
